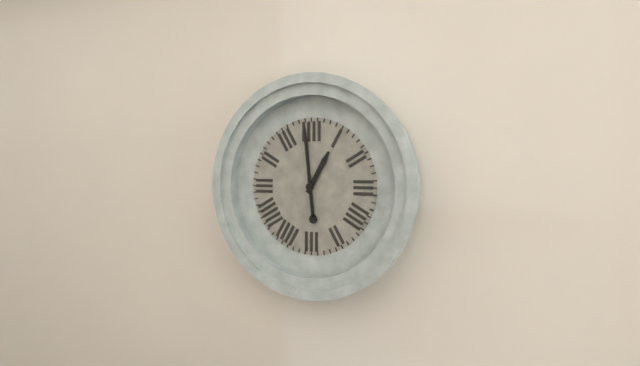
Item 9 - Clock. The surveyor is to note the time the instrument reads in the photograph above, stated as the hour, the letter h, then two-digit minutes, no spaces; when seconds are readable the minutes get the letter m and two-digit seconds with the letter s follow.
12h59
